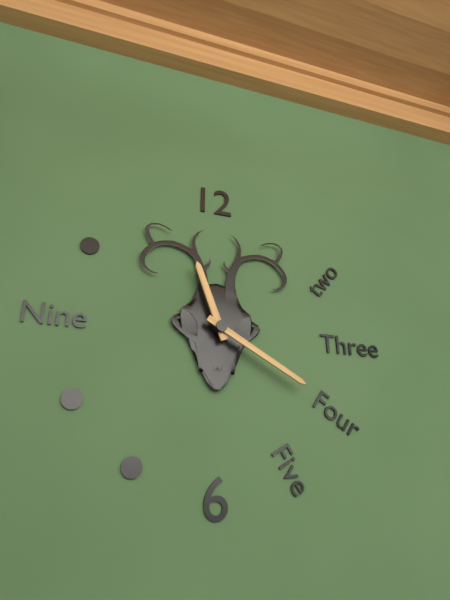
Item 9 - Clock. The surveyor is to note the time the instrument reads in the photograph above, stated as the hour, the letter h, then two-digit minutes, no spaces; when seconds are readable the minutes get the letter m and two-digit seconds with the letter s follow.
11h20
